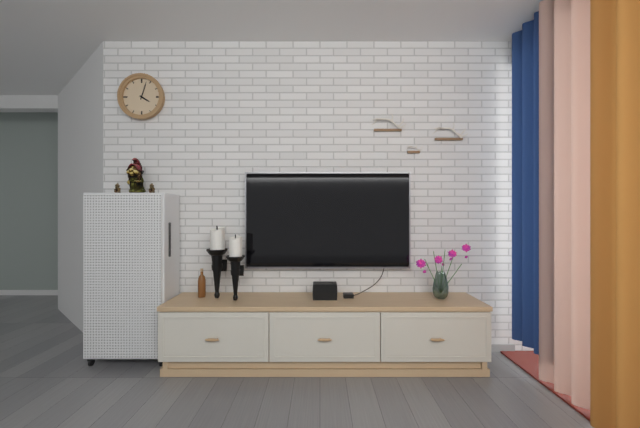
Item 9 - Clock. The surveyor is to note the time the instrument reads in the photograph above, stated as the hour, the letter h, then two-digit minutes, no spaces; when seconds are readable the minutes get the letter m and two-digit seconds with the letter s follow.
4h03
